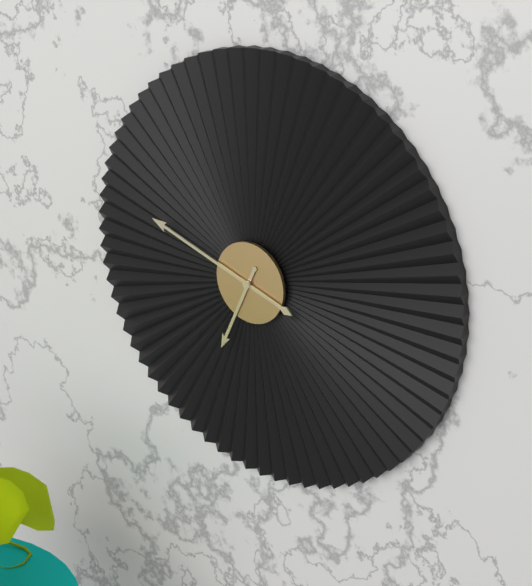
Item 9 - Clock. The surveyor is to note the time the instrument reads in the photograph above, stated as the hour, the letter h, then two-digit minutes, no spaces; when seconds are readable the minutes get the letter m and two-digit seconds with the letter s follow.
6h48
